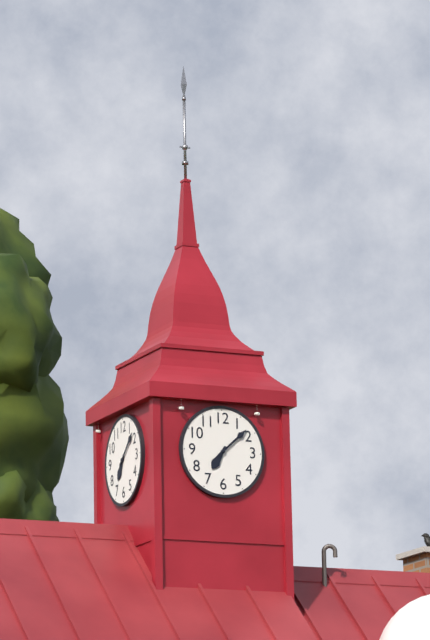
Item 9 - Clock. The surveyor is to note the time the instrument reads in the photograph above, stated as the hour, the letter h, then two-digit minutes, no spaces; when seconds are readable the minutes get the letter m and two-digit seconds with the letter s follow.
7h08
